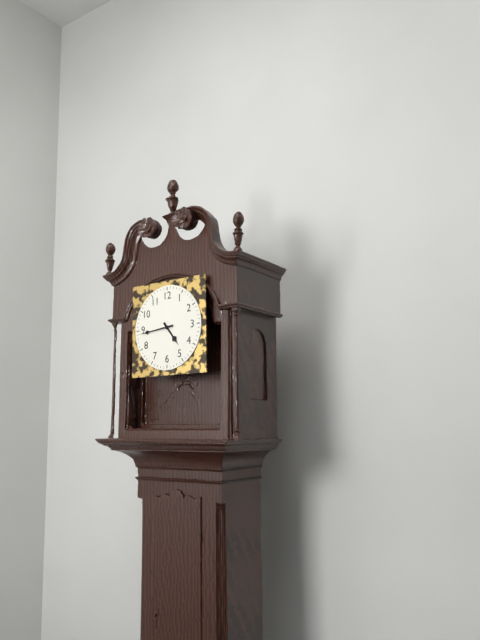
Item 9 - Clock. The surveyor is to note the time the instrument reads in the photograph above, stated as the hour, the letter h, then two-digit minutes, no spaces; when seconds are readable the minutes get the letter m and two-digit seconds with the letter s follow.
4h44
